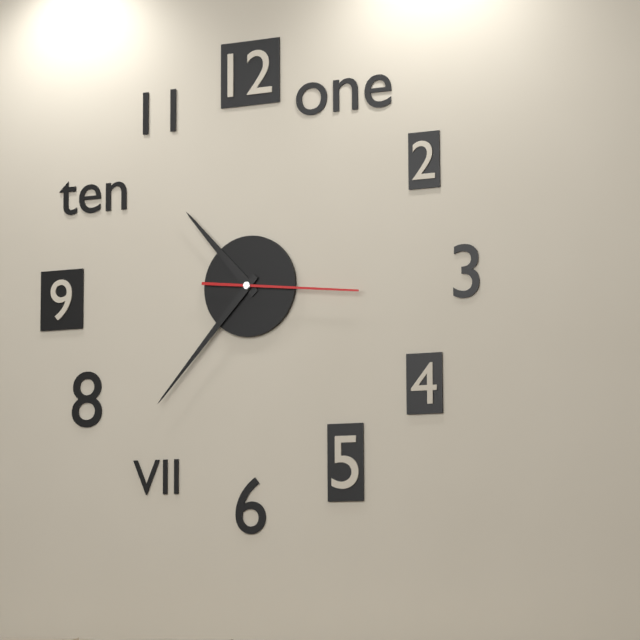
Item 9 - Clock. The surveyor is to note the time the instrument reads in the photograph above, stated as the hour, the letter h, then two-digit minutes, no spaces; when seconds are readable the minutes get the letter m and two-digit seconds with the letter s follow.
10h37m16s
